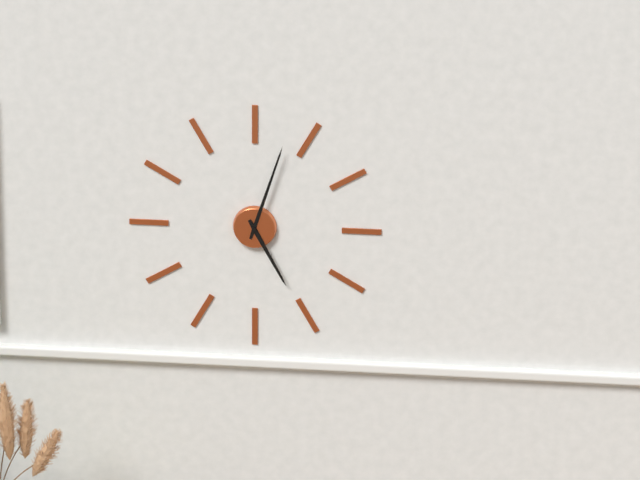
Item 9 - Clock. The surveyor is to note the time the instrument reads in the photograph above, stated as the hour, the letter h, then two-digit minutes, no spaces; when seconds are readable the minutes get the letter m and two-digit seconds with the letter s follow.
5h03
